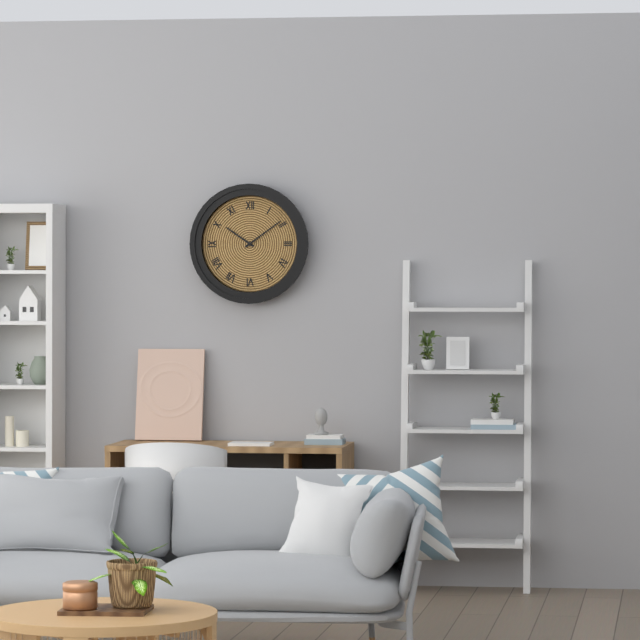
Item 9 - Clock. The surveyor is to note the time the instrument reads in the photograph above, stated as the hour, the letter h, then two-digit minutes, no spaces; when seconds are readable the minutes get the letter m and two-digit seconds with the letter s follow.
10h09
